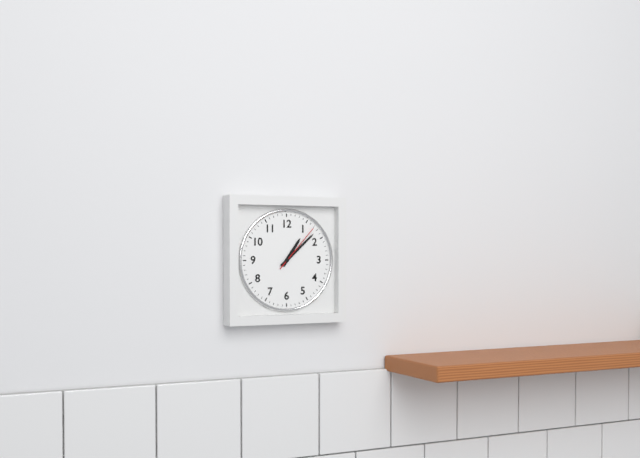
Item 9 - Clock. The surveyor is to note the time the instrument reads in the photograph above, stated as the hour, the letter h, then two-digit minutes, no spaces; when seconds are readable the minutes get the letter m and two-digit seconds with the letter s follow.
1h08m07s
